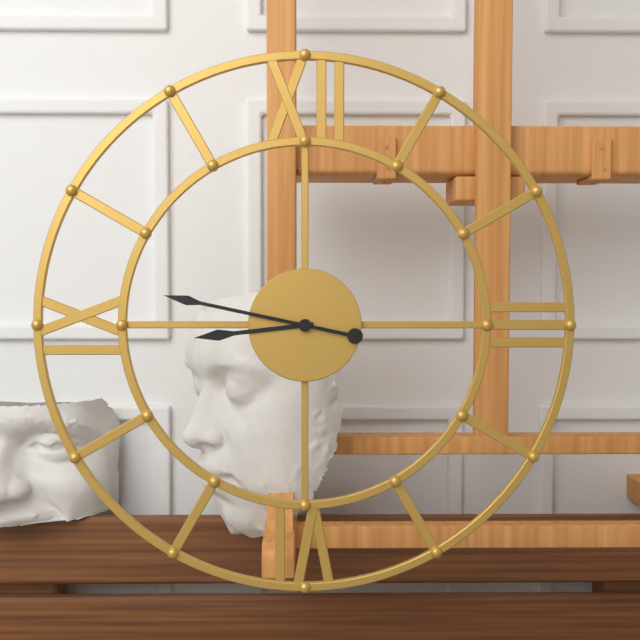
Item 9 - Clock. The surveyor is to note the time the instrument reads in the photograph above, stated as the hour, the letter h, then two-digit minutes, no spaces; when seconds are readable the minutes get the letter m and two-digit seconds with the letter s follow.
8h47
